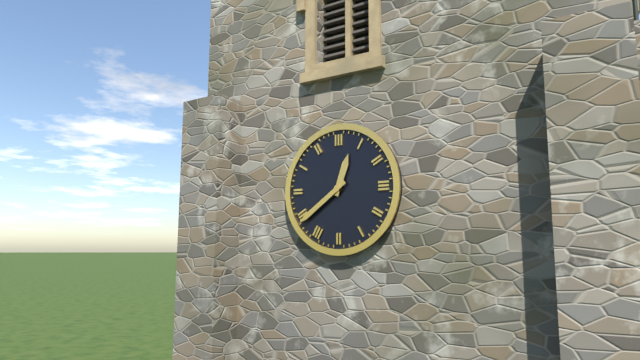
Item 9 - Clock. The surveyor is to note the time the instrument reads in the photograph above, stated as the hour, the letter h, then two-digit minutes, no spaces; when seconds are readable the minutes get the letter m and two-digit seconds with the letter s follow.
12h39
